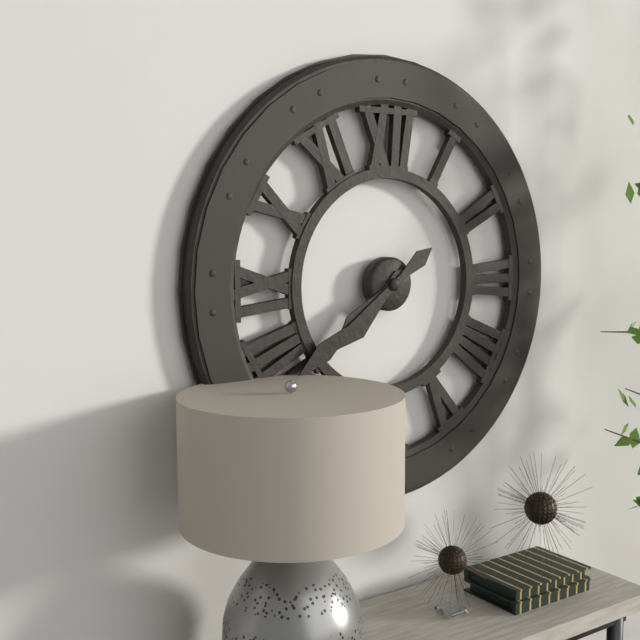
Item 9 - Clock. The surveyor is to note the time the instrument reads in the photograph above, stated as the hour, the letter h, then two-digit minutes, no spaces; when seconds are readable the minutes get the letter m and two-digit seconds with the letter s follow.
7h39
